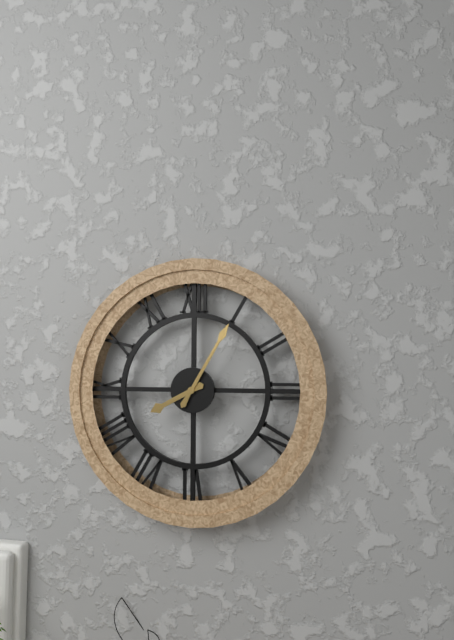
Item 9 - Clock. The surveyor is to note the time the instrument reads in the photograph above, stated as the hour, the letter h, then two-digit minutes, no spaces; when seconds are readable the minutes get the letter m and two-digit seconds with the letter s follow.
8h05
